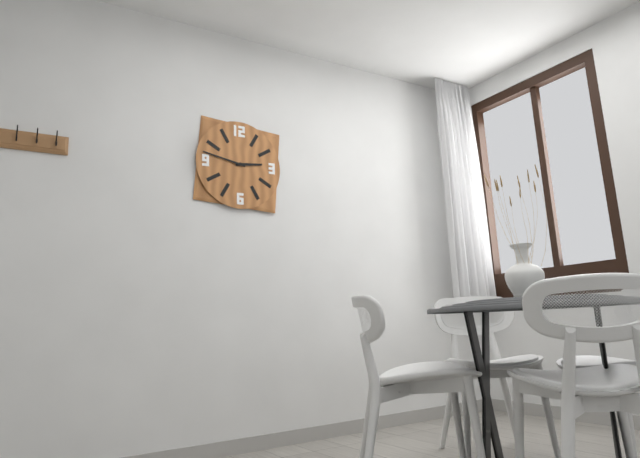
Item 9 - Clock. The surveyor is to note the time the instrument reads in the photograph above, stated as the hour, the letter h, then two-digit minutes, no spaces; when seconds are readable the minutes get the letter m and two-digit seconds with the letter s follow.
2h47
